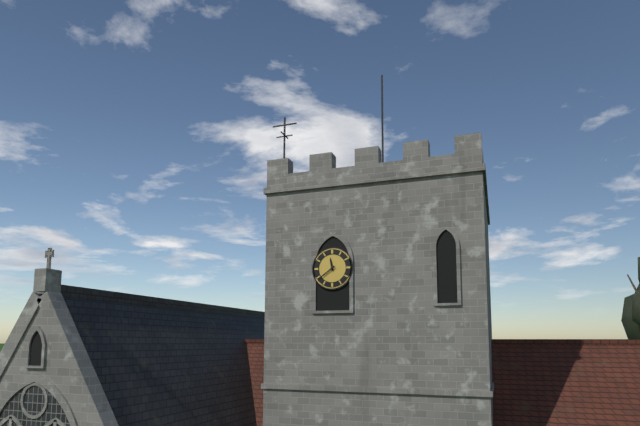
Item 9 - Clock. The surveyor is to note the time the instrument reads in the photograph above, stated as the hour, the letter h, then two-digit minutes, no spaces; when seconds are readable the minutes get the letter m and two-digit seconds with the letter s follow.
11h39
